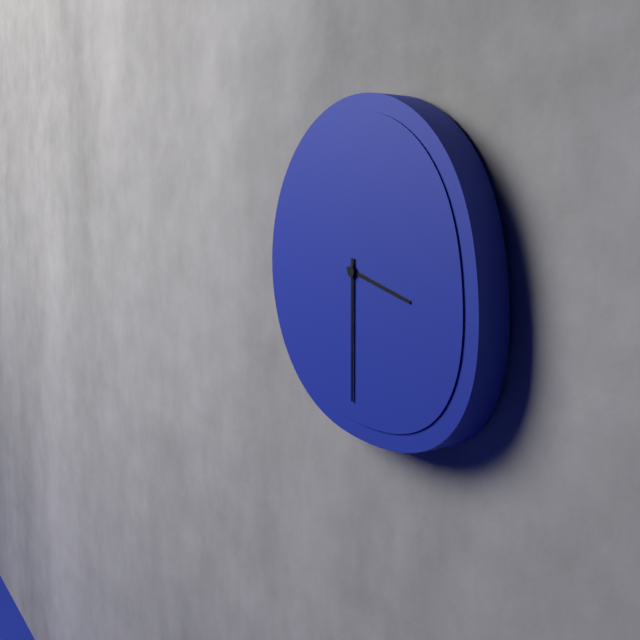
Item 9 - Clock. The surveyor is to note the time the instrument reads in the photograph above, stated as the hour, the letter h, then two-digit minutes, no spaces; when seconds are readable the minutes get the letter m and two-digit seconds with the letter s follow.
3h30
